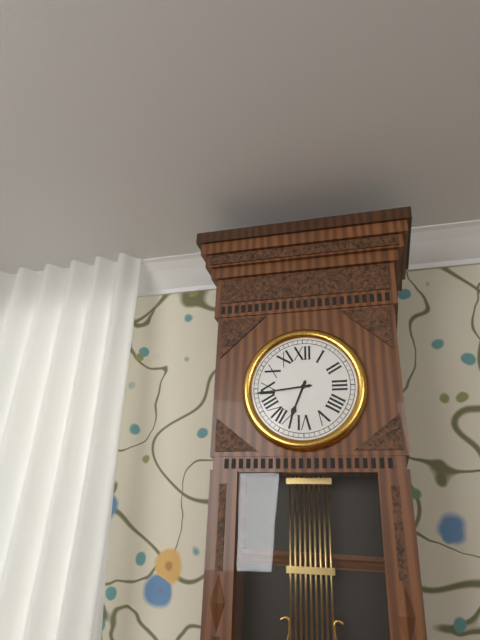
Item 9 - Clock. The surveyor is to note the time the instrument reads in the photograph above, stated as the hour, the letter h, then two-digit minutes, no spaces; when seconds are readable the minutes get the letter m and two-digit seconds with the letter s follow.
6h44
